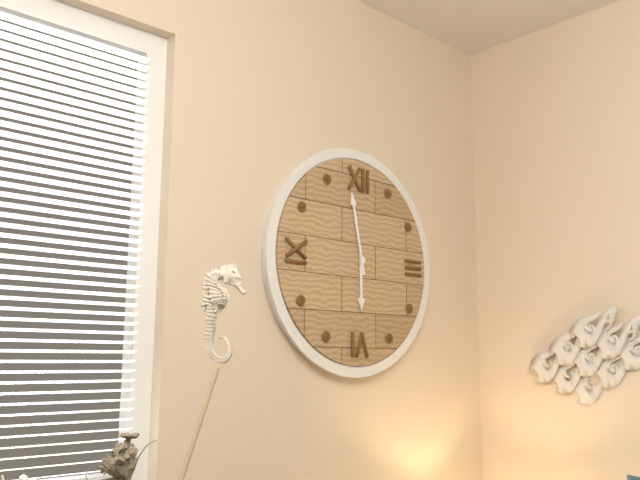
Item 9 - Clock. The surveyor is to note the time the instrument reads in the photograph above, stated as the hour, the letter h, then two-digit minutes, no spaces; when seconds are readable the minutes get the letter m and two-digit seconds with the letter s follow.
5h58
